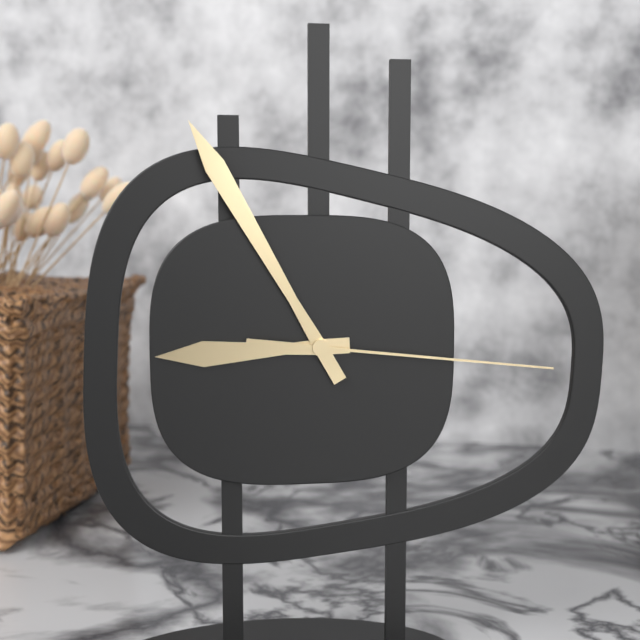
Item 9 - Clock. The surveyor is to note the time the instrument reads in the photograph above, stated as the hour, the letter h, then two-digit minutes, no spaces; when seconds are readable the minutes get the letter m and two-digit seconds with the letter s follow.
8h55m16s
